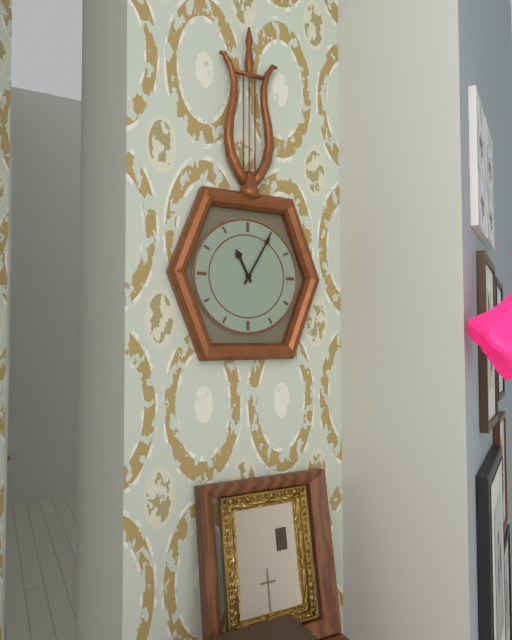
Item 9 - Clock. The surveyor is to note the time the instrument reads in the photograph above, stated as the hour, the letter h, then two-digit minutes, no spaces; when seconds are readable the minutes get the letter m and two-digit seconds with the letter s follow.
11h05
